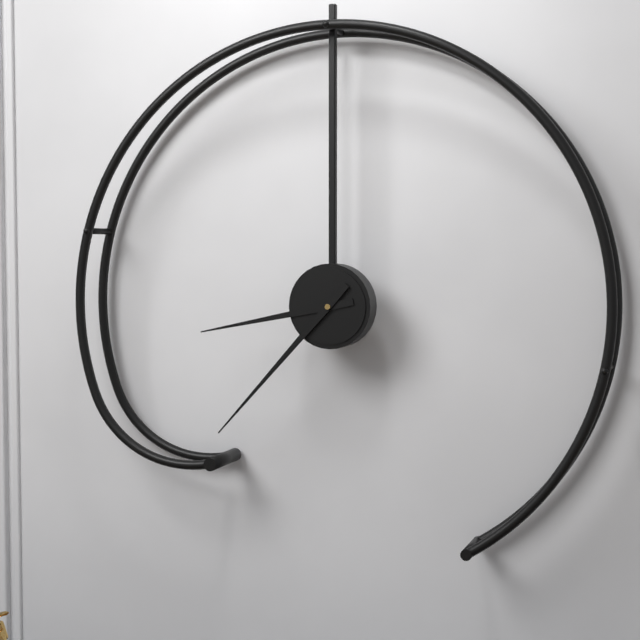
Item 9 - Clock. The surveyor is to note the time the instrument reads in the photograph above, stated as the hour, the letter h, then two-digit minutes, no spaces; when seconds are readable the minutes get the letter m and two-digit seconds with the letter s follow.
8h37
